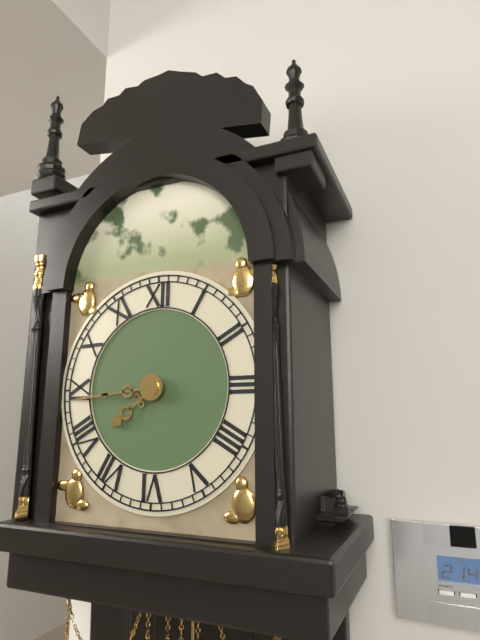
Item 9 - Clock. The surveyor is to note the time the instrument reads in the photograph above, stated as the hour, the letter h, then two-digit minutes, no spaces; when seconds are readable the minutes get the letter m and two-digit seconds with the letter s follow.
7h44
